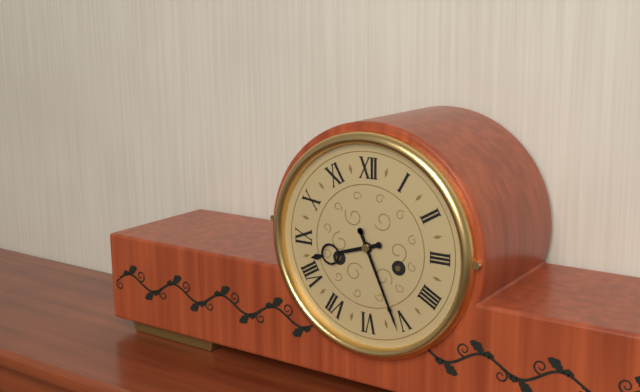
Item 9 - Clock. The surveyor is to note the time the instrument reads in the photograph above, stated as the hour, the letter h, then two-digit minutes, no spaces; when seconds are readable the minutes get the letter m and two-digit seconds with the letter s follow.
8h26
